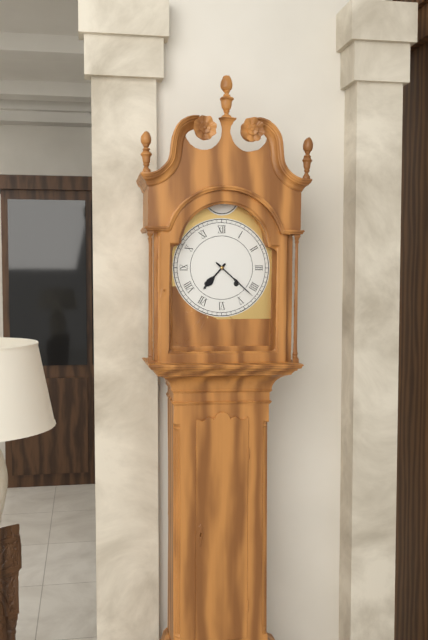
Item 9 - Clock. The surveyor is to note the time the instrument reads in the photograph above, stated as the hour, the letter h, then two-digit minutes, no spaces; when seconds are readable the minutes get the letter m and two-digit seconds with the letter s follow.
7h22
